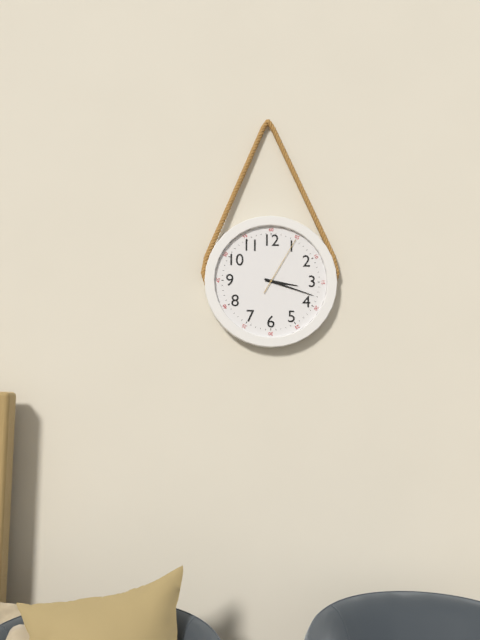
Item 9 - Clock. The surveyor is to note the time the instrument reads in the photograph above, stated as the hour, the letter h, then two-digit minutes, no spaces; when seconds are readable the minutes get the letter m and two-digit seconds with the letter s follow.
3h18m05s
